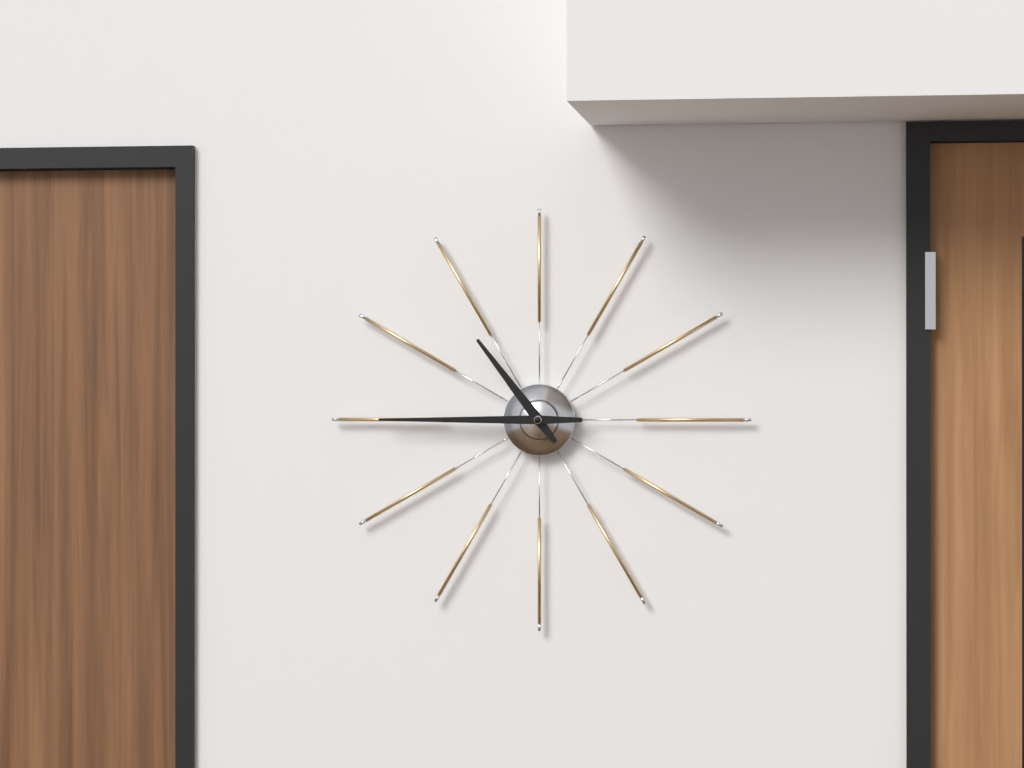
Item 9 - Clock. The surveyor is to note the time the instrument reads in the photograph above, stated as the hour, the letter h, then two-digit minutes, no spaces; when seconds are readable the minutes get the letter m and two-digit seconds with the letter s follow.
10h45
